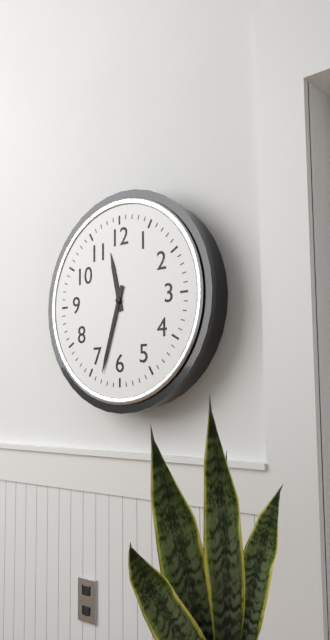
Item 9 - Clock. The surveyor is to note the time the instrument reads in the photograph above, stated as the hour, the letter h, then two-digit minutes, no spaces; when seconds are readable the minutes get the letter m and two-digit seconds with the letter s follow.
11h33
